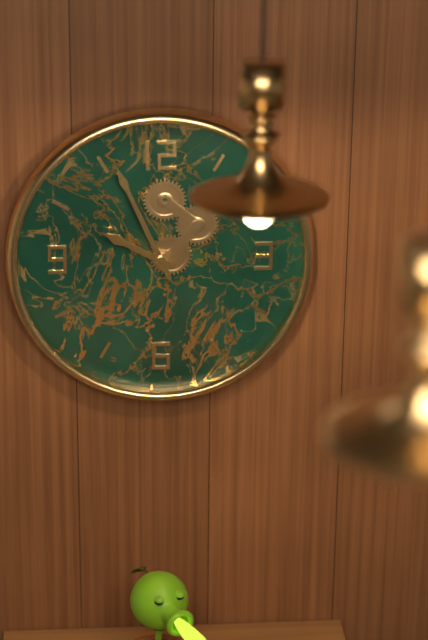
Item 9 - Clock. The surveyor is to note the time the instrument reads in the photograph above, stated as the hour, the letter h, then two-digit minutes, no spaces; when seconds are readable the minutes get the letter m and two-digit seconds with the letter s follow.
9h56
